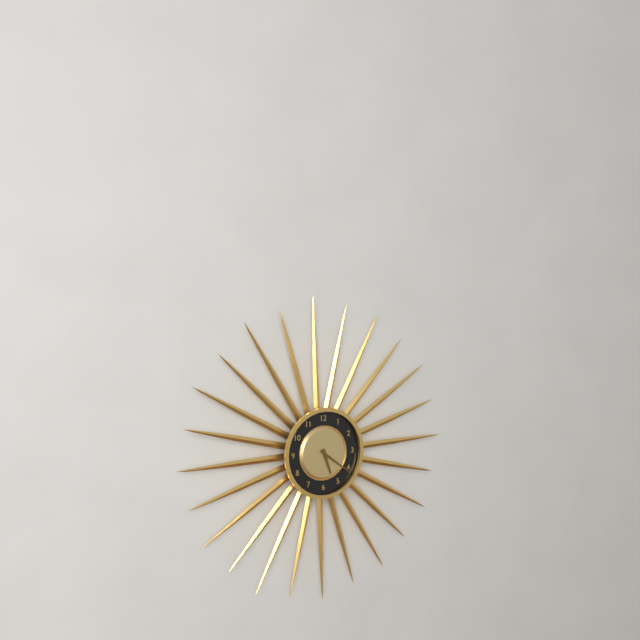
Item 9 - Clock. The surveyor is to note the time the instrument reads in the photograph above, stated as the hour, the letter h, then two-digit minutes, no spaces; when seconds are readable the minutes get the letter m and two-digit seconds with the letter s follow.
5h21
